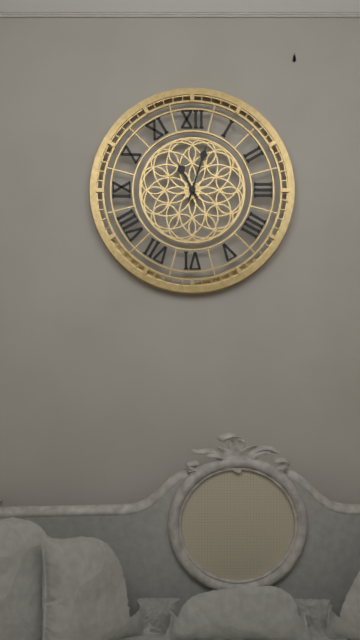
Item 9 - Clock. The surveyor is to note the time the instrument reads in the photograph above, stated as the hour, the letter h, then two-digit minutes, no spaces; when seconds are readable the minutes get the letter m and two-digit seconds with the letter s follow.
11h03
